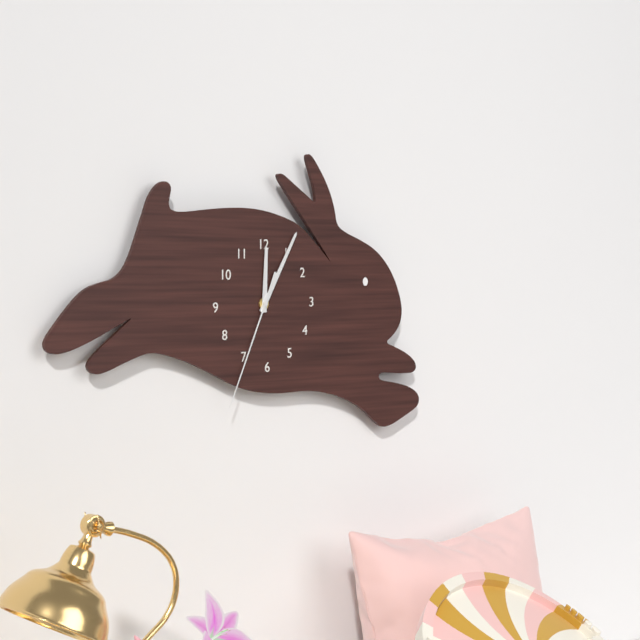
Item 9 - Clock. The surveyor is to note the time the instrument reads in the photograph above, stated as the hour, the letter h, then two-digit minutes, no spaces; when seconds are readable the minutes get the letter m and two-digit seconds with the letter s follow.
12h05m34s
